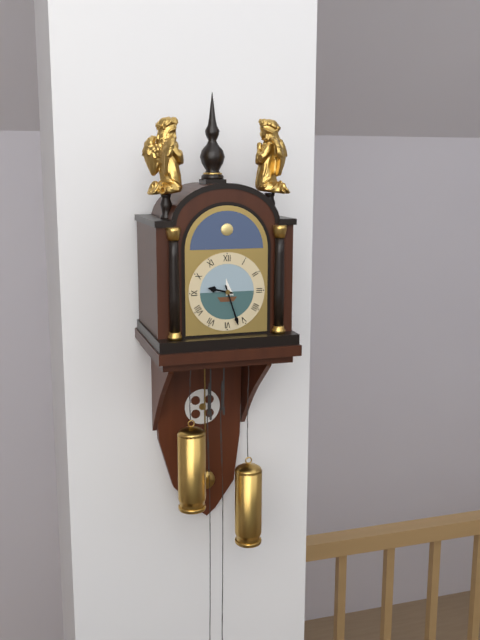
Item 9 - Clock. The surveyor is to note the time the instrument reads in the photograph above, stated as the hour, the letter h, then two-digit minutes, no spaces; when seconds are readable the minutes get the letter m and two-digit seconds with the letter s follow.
9h27
